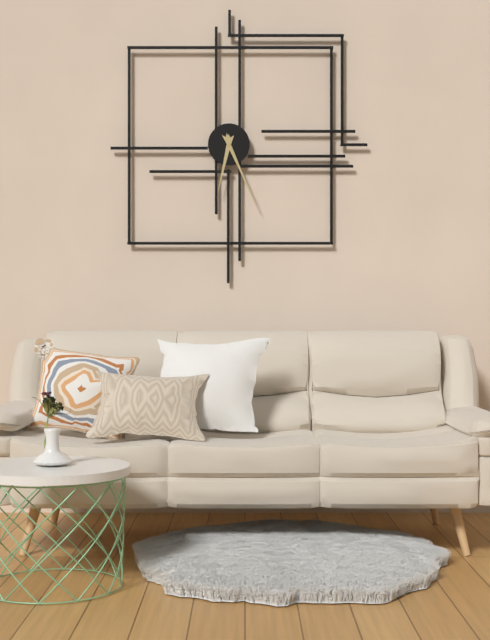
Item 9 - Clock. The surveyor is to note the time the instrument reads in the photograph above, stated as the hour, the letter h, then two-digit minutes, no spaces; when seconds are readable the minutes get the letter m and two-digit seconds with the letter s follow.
6h26
